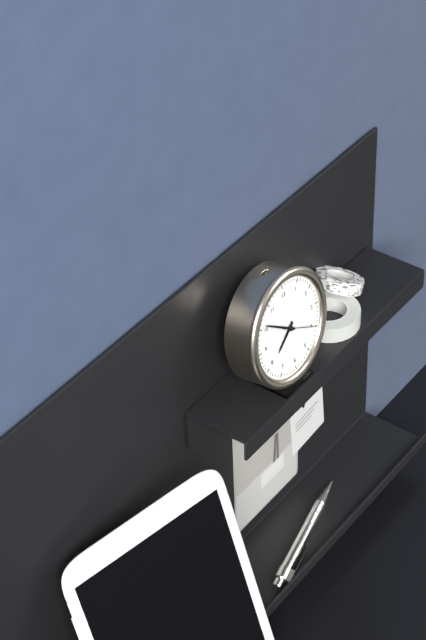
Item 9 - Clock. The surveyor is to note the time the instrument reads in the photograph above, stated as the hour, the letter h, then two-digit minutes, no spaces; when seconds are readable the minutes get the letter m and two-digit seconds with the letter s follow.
7h51
